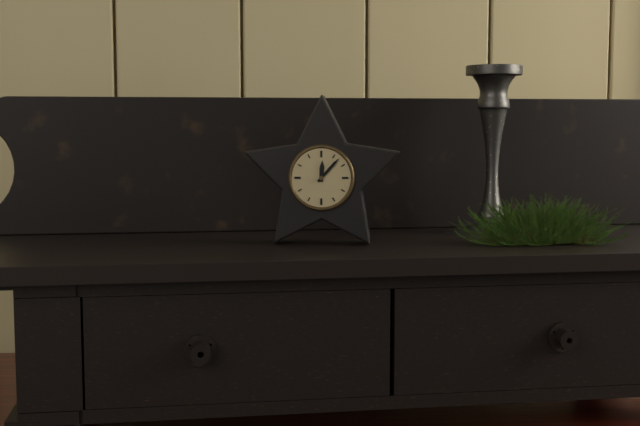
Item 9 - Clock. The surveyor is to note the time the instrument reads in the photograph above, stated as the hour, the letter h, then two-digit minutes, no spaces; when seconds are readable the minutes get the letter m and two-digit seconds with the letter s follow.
12h07
